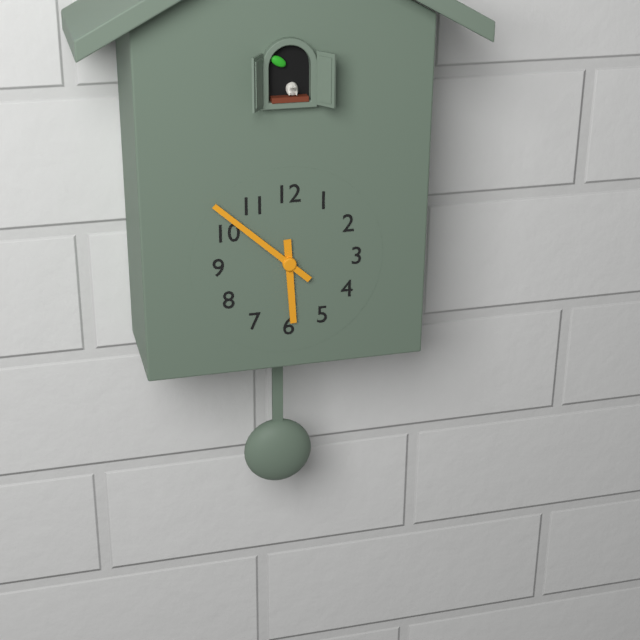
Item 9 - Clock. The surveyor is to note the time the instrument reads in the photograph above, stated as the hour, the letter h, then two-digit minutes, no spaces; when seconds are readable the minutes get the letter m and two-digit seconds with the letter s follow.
5h52
